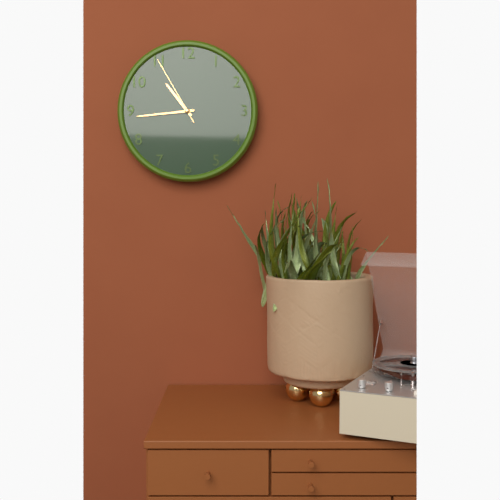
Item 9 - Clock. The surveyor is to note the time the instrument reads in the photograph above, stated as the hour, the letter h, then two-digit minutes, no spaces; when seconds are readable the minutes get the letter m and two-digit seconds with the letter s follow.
10h44m55s
